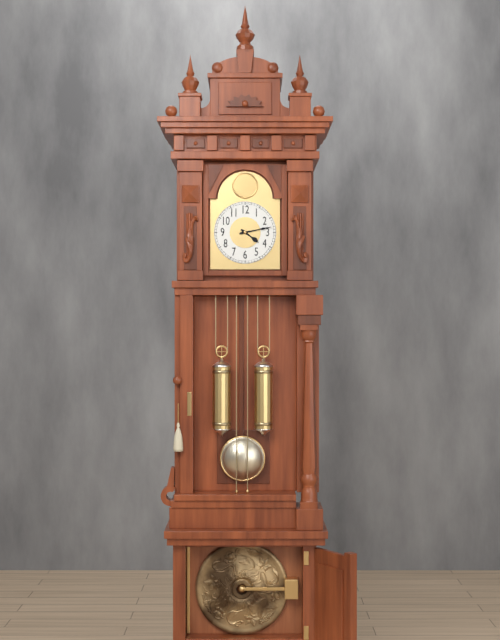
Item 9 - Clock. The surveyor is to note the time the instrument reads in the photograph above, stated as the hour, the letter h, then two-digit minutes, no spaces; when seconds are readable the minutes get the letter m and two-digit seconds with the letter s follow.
4h13
